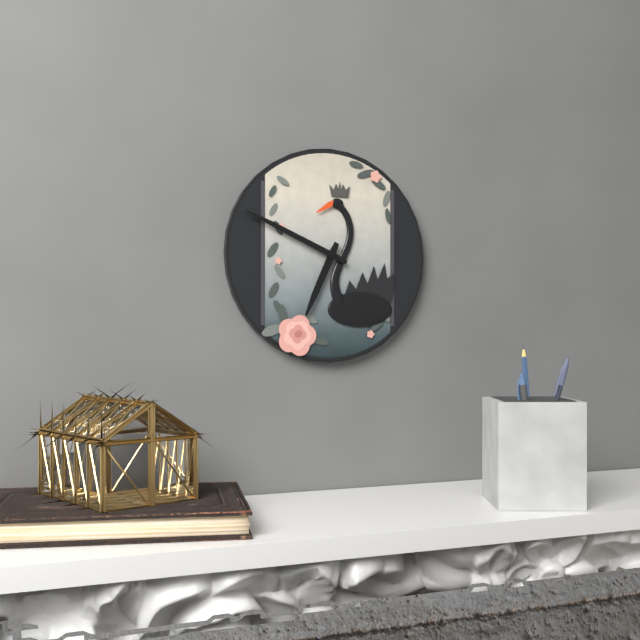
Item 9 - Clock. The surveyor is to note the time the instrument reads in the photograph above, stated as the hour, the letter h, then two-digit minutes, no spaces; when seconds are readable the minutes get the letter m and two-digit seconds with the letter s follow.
6h49
